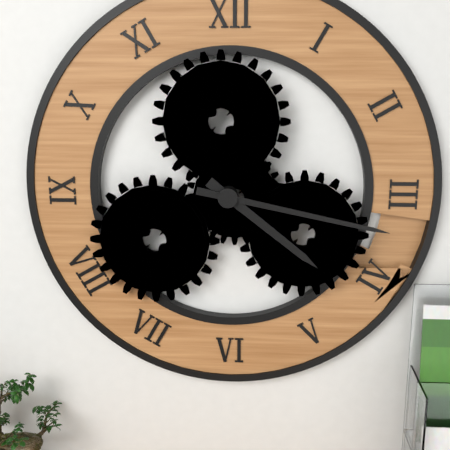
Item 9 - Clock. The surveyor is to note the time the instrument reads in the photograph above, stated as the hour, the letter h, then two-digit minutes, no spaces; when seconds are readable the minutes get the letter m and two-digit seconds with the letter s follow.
4h17
